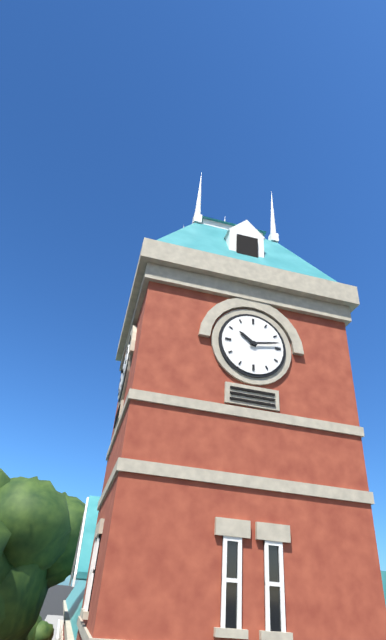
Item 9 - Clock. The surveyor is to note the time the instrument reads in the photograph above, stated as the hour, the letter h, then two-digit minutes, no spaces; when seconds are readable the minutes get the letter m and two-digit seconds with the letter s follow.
10h13
